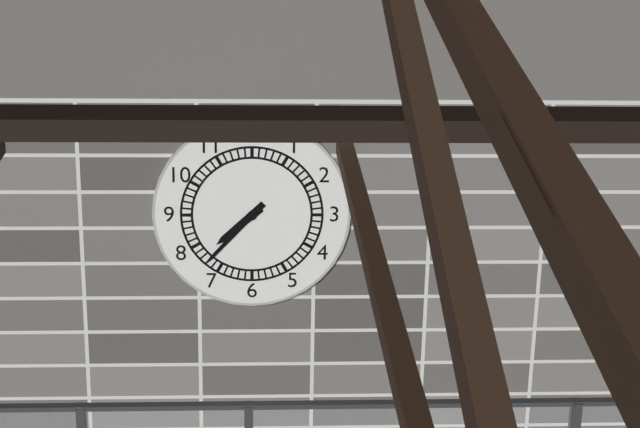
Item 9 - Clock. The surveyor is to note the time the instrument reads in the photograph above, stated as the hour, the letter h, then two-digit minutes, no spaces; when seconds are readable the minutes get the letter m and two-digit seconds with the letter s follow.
7h37
